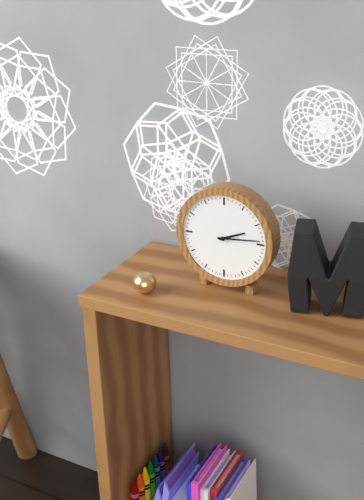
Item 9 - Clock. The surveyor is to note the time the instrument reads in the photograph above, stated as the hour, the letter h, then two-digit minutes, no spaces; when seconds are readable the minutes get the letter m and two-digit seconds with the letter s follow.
2h14
